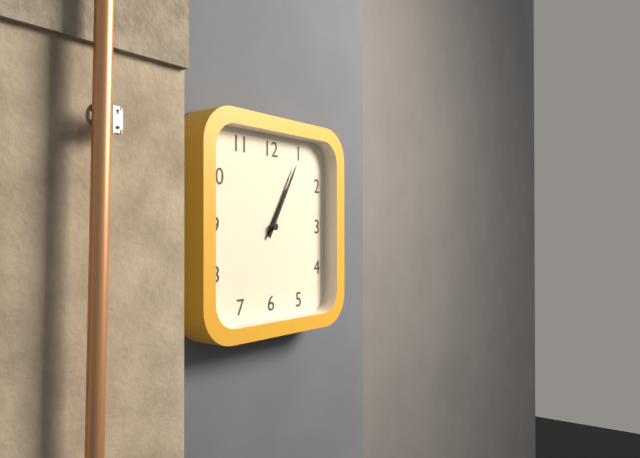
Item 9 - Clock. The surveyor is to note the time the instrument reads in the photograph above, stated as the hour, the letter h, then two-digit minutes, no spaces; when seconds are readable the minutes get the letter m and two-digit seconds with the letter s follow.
1h05
